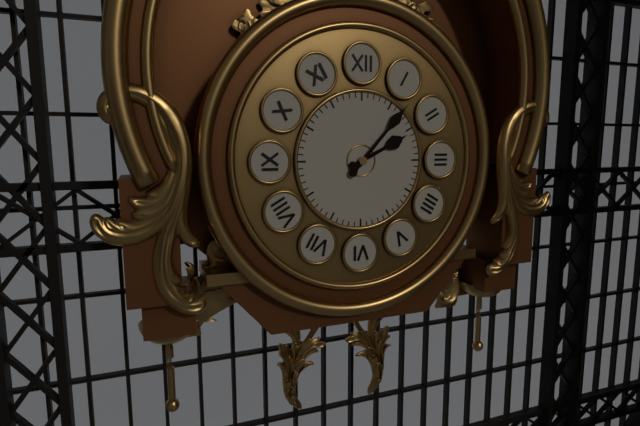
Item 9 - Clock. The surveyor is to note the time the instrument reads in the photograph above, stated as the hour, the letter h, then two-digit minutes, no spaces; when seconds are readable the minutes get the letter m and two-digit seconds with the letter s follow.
2h07
